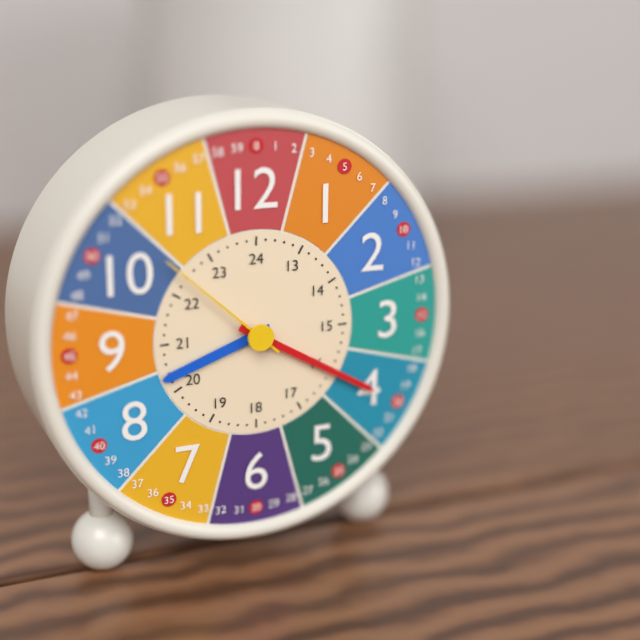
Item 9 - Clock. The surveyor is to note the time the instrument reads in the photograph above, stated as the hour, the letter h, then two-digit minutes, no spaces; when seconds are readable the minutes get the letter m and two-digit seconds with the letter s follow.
8h20m52s
